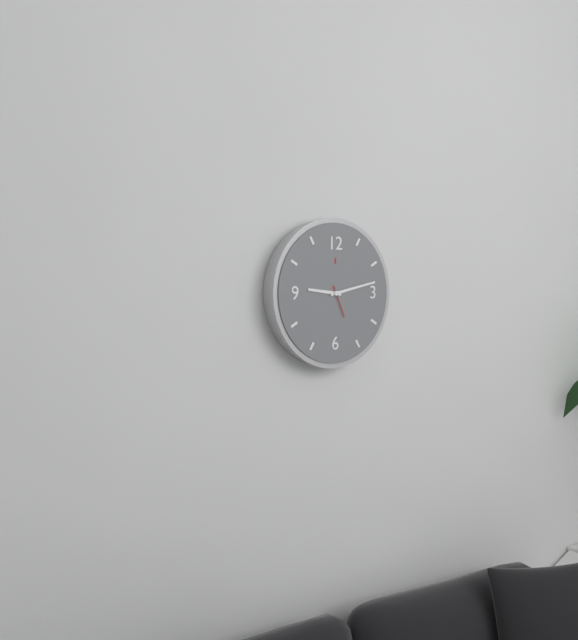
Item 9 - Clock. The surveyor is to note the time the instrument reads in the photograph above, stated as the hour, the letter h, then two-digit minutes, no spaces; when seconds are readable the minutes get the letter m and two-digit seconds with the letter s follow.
9h13
